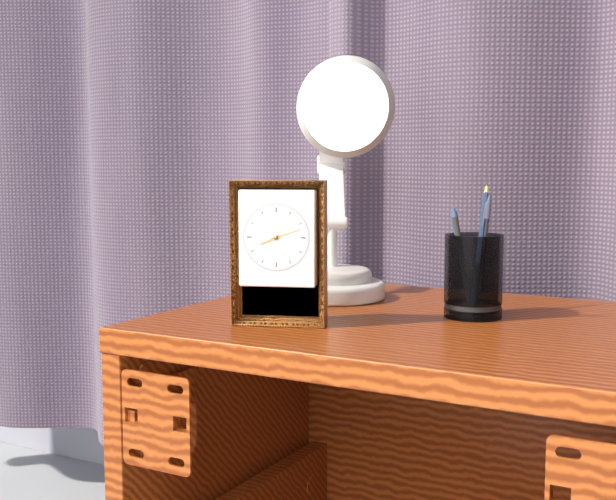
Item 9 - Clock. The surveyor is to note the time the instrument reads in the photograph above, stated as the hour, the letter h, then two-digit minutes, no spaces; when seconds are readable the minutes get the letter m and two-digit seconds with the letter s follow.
8h12
